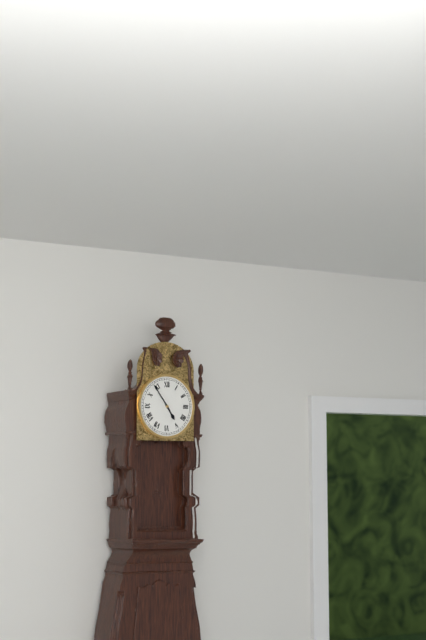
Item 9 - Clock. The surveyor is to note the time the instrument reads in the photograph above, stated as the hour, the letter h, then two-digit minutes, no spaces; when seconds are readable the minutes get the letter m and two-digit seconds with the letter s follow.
4h54
